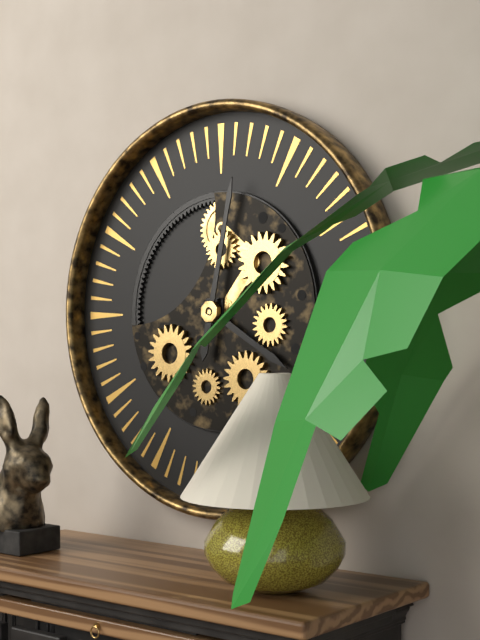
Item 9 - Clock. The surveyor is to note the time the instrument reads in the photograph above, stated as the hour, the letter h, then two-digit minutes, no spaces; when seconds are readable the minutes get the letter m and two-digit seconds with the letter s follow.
4h02
